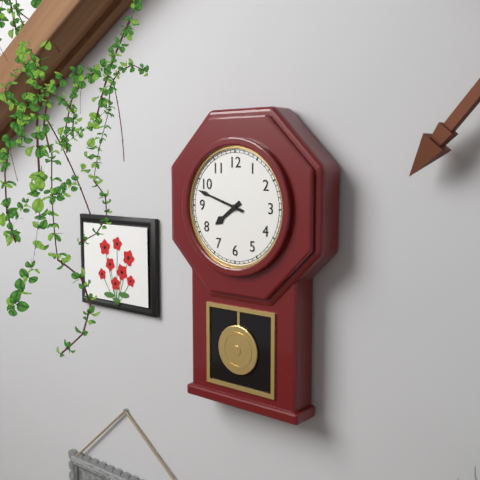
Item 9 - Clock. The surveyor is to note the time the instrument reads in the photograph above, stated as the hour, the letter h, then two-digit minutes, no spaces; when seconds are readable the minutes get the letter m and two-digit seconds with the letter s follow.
7h48
